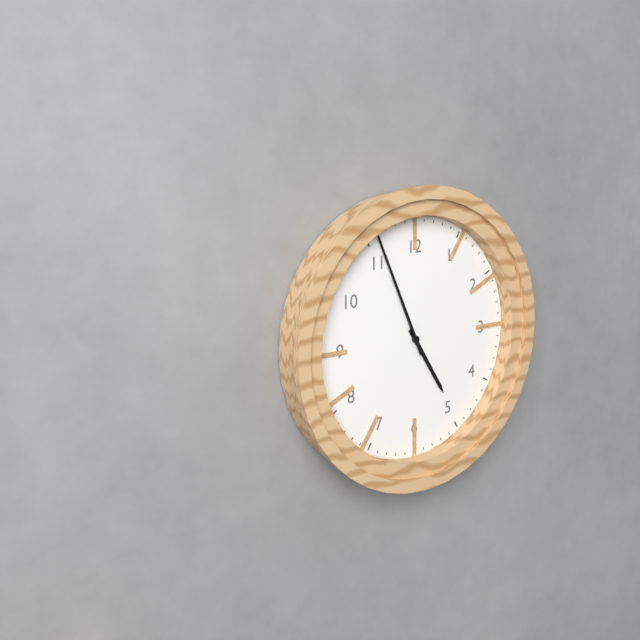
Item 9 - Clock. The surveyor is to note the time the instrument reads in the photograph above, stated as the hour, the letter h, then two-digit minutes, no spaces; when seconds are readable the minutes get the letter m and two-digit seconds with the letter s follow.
4h56
